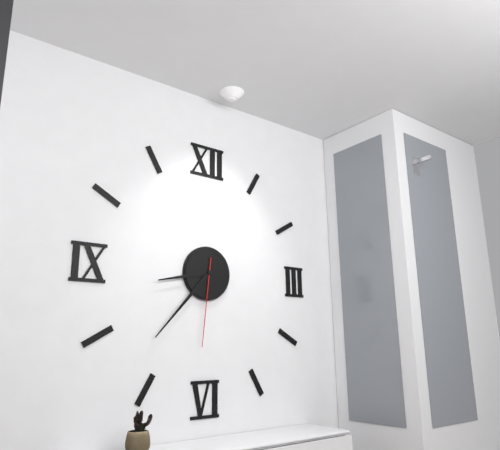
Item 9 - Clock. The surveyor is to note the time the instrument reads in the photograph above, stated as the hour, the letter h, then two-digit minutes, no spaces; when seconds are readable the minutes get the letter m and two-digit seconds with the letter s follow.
8h37m31s
